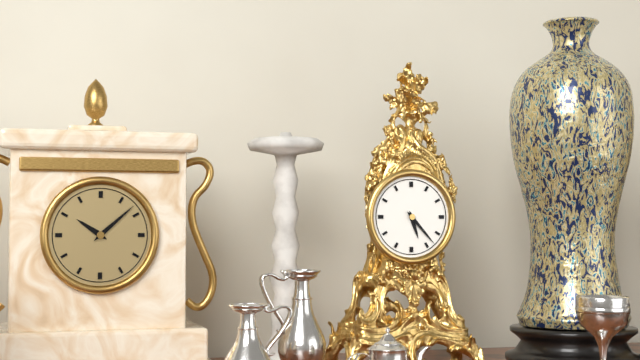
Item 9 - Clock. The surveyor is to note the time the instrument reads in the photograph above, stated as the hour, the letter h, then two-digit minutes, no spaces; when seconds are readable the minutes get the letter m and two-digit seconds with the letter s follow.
5h23
